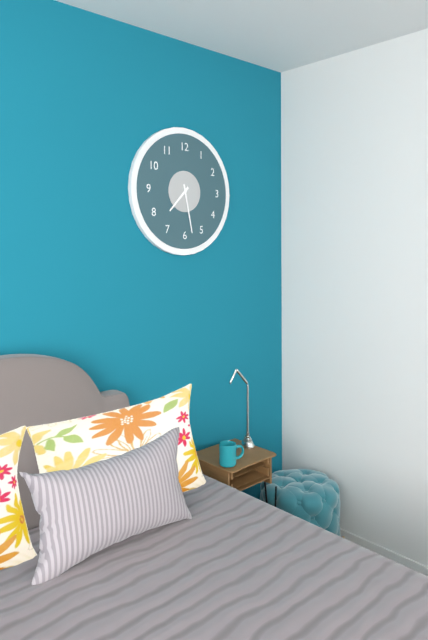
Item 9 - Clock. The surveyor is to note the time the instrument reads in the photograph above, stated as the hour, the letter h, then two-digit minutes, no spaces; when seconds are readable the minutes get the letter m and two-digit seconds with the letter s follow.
7h28
